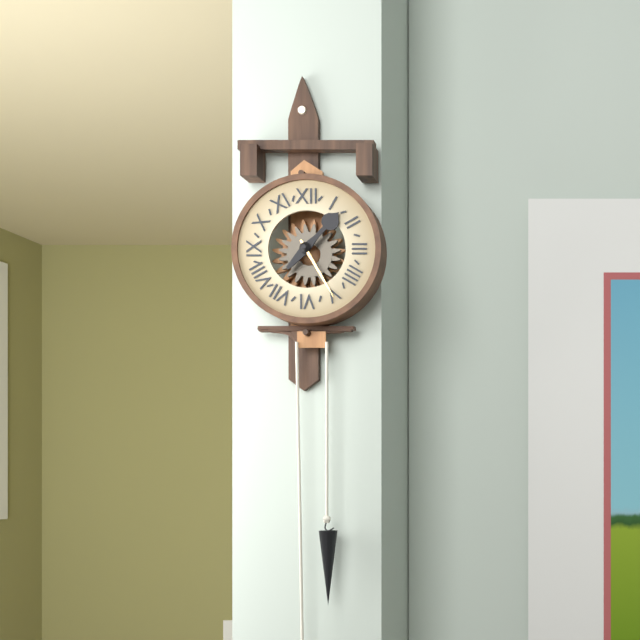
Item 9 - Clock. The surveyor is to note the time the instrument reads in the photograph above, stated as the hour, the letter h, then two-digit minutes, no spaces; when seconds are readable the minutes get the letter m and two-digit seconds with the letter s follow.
1h25
